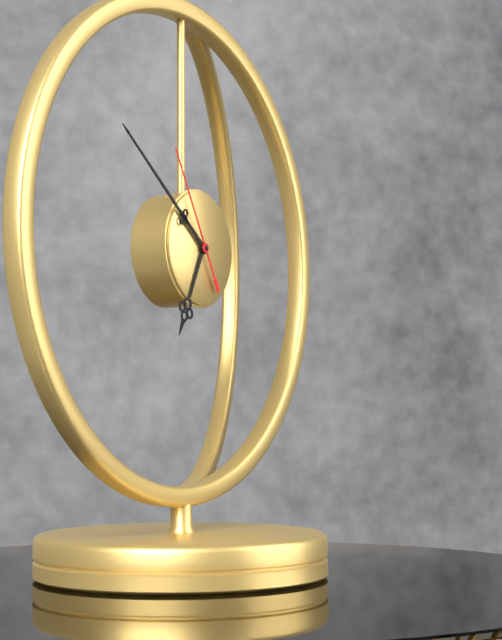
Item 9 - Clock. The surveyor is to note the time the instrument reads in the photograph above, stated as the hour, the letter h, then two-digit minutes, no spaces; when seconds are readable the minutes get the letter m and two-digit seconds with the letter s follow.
6h51m55s
